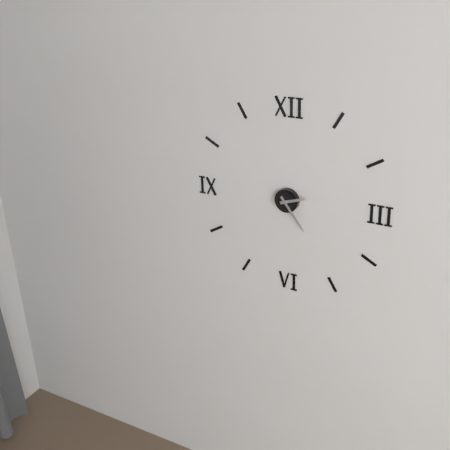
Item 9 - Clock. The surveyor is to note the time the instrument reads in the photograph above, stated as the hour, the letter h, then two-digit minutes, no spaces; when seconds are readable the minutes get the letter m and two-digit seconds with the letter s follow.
2h24
